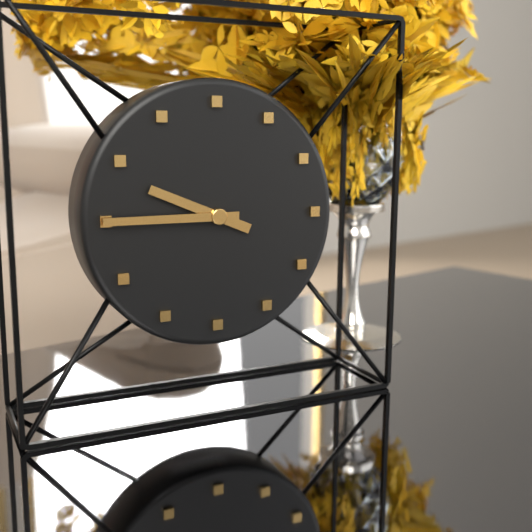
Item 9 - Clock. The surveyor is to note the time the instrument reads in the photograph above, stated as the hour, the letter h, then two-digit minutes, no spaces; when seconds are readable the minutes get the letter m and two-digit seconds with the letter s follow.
9h45
